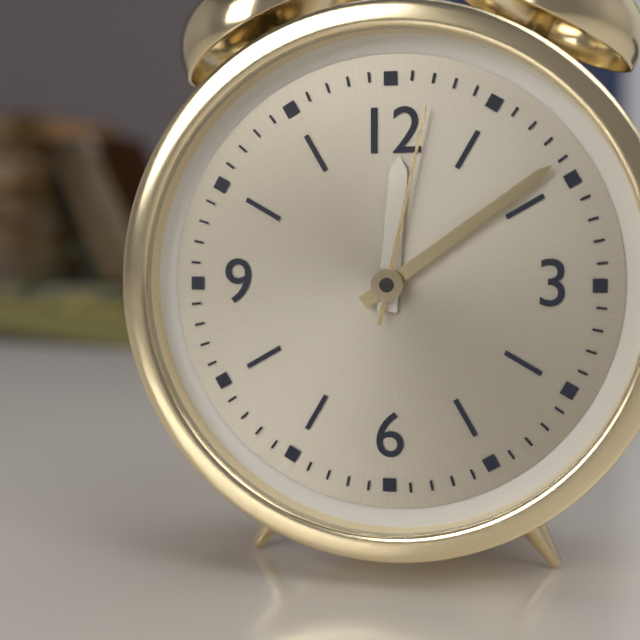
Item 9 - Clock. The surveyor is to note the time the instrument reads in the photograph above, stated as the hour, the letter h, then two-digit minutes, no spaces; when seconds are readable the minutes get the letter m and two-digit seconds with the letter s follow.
12h09m02s
